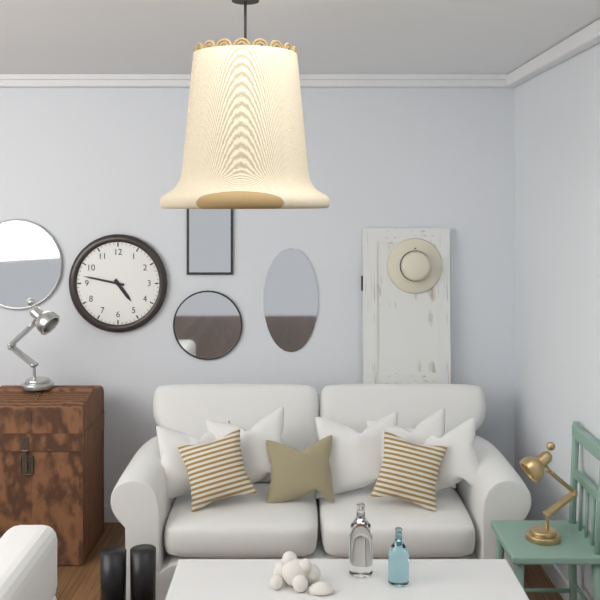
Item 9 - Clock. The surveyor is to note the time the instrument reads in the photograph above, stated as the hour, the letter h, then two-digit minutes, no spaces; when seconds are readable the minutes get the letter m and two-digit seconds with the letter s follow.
4h47
